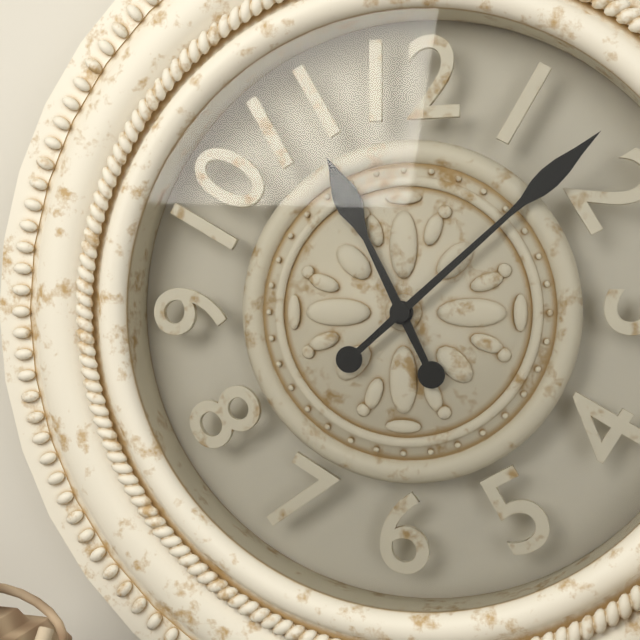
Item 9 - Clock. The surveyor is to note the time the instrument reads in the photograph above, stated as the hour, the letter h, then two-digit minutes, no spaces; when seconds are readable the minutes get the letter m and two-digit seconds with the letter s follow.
11h08
